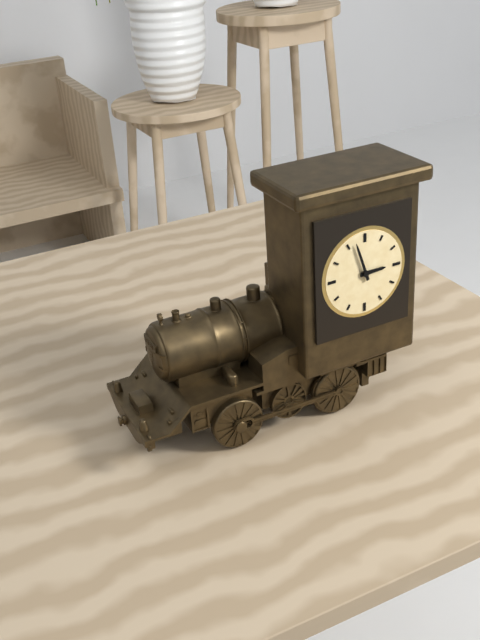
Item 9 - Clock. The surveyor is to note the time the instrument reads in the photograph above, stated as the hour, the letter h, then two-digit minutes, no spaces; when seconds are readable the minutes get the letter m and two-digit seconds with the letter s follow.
2h57
